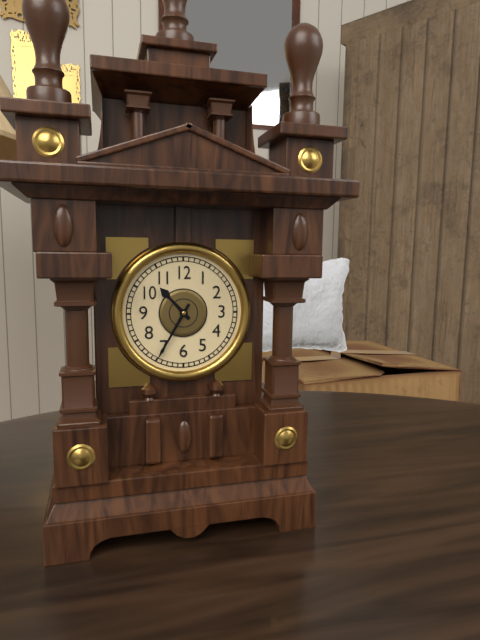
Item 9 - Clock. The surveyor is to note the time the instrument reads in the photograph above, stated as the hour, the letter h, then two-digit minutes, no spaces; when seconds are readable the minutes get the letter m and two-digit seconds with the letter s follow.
10h35
